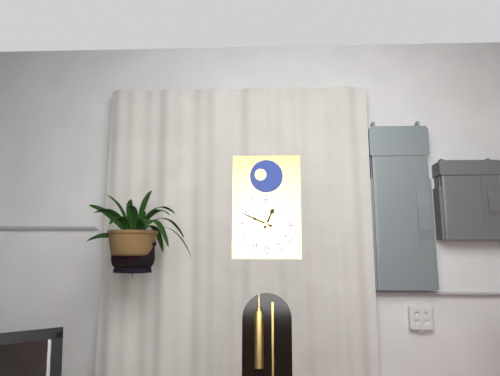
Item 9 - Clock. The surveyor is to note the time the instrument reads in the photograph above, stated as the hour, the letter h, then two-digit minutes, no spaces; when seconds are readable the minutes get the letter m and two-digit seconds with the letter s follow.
12h49
